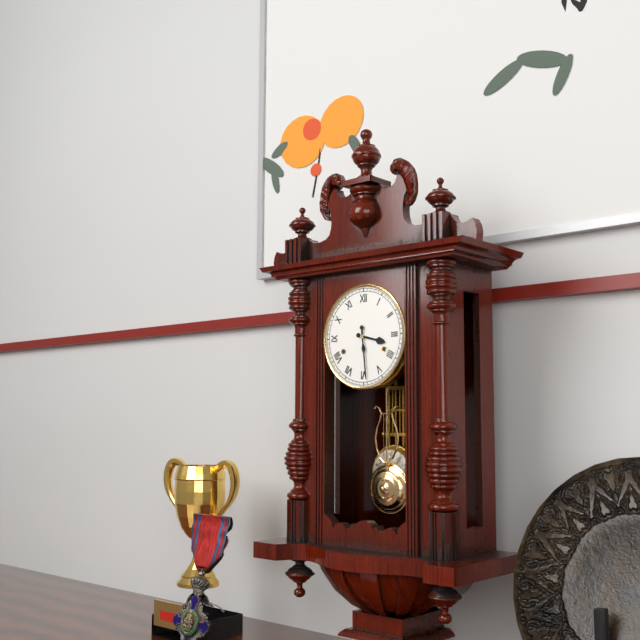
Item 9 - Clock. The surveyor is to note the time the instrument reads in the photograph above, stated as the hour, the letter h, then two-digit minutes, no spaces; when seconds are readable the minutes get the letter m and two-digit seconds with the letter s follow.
3h29
